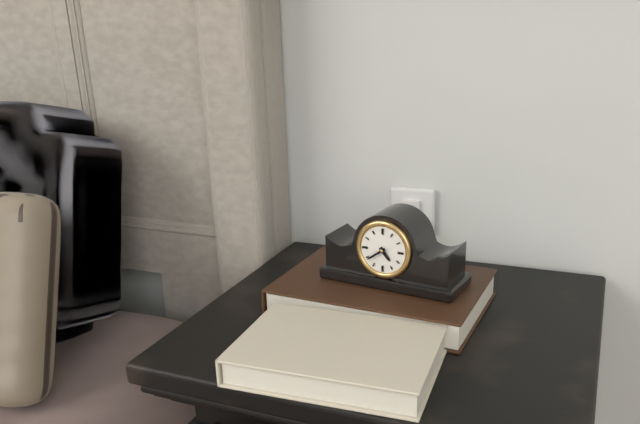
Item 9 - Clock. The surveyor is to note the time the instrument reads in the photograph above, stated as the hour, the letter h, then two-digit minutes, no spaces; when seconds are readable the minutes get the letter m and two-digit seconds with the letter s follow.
4h39
